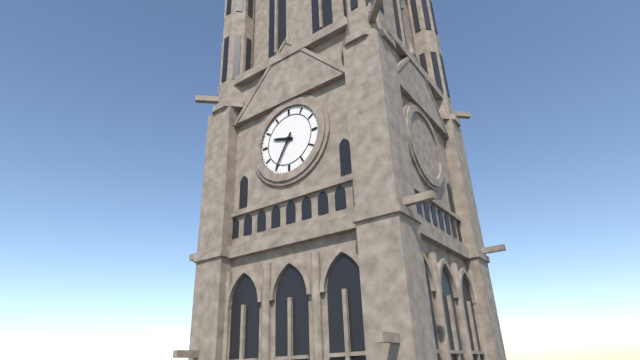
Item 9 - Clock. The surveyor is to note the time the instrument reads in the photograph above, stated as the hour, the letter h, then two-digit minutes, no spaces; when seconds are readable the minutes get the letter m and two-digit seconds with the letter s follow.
9h35
